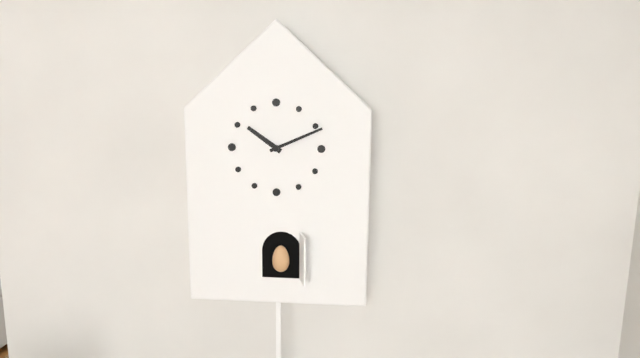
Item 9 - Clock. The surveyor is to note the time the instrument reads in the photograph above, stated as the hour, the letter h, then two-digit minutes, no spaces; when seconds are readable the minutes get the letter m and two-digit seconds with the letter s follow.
10h11
